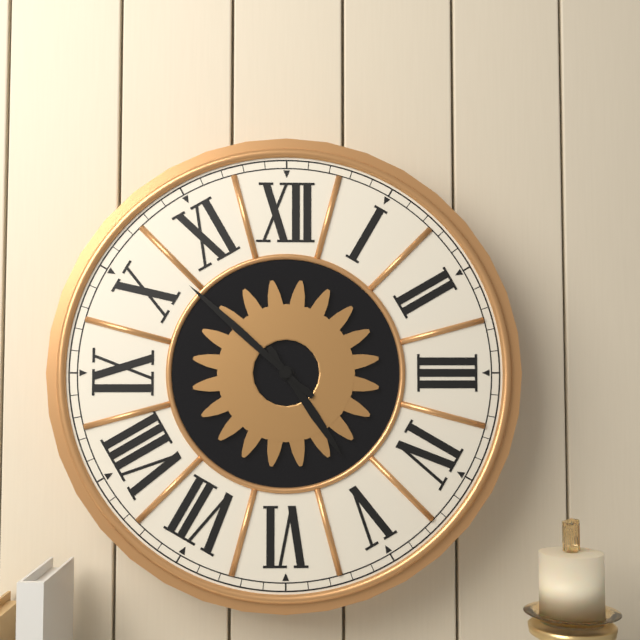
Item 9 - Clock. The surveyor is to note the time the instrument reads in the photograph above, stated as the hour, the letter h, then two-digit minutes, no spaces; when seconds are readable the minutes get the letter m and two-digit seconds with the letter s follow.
4h52
